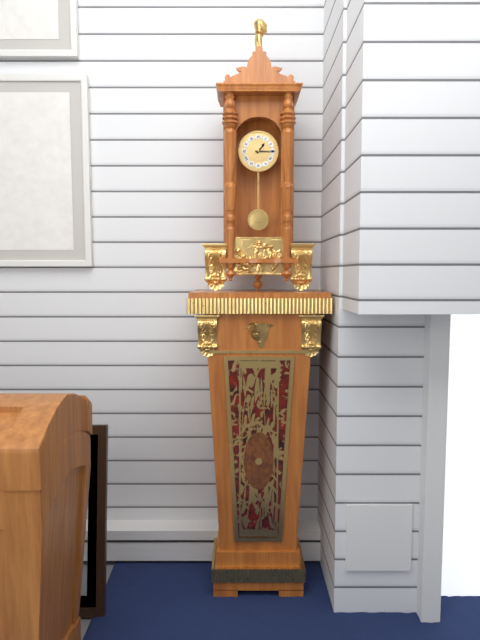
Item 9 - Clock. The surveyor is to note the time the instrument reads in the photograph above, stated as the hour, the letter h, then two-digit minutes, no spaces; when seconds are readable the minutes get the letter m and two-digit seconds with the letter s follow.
1h15
